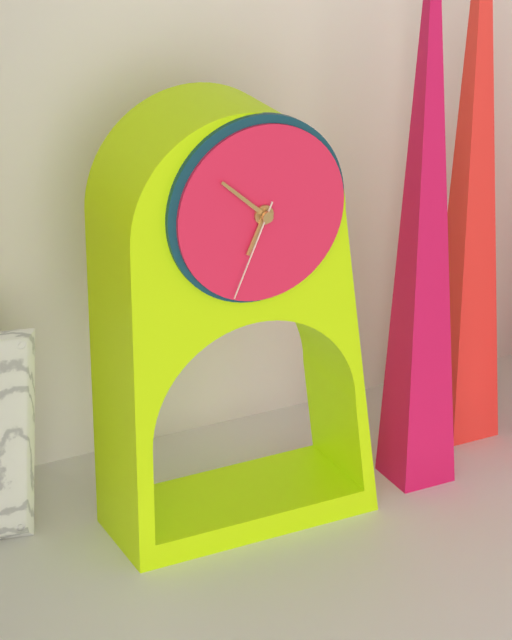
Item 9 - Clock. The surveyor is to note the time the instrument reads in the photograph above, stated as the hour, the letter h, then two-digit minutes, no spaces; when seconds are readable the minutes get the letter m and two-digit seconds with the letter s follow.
6h52m34s
